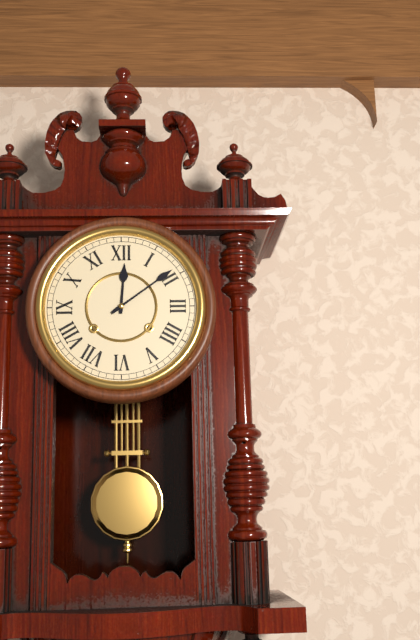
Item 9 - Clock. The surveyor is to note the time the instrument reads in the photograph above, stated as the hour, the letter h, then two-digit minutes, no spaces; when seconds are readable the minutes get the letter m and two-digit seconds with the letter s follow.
12h09
